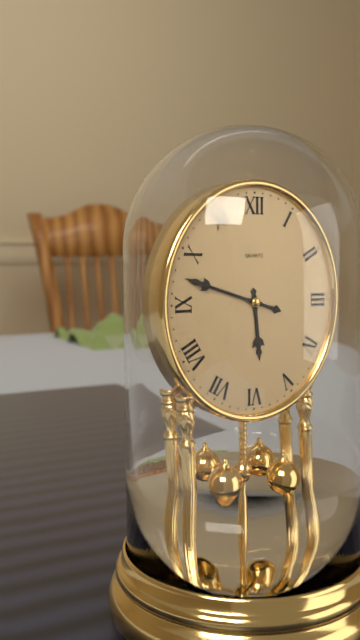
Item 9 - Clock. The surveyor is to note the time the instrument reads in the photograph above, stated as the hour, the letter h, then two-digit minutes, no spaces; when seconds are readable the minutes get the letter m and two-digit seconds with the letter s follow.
5h48
